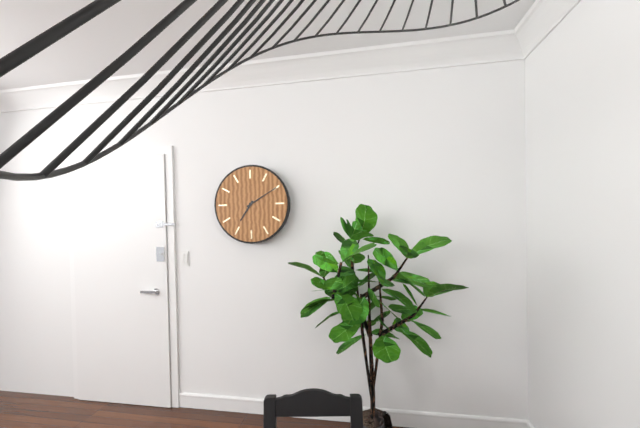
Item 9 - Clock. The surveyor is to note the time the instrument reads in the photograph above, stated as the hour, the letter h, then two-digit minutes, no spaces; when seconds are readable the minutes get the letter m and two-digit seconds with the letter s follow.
7h10
